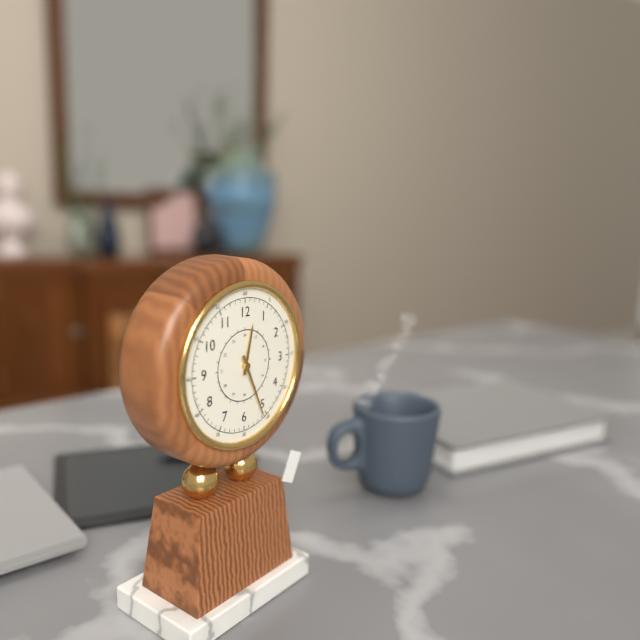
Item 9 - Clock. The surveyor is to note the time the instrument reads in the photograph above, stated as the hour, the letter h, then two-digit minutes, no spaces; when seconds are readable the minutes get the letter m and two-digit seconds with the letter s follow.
12h26
